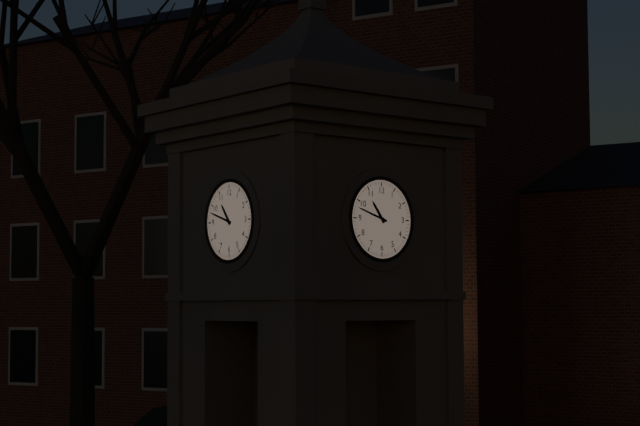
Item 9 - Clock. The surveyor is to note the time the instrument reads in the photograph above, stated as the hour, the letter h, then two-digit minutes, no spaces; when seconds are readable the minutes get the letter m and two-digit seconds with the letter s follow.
10h48
